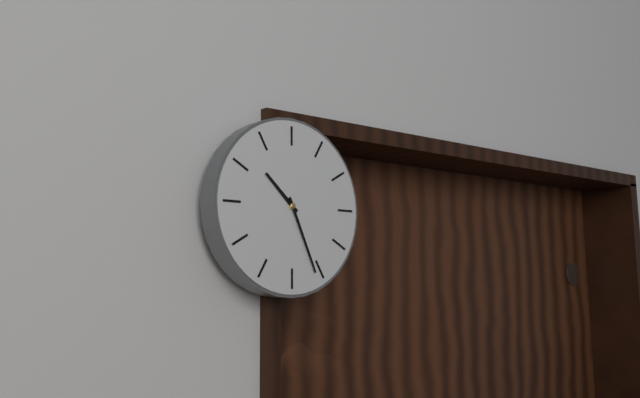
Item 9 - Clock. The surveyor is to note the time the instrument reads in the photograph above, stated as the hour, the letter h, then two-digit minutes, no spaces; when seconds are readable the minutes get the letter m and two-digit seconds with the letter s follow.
10h26
